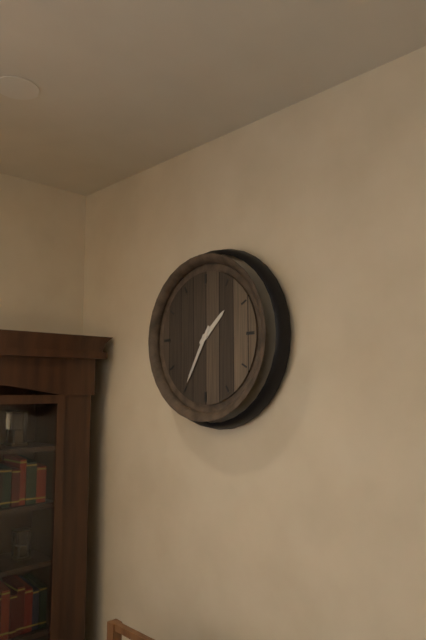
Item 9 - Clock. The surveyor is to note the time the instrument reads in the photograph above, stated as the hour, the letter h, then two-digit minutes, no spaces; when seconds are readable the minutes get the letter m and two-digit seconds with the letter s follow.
1h35
